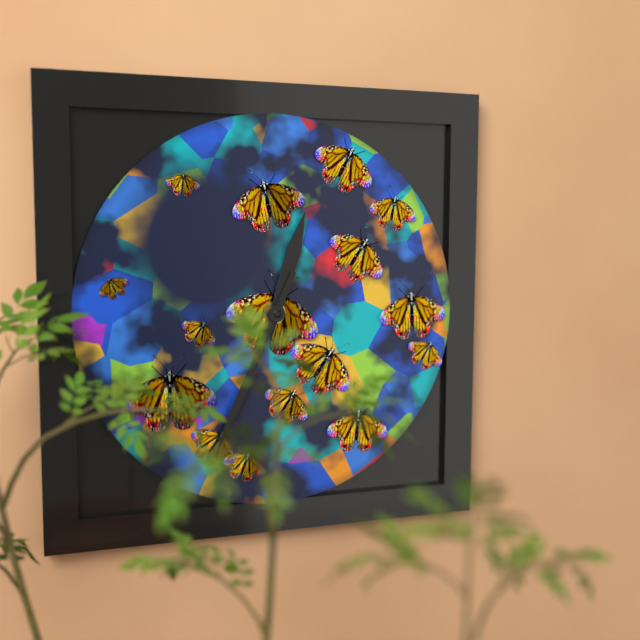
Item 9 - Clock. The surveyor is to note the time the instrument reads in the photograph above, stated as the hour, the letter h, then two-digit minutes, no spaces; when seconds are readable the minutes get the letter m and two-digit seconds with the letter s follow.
12h34
